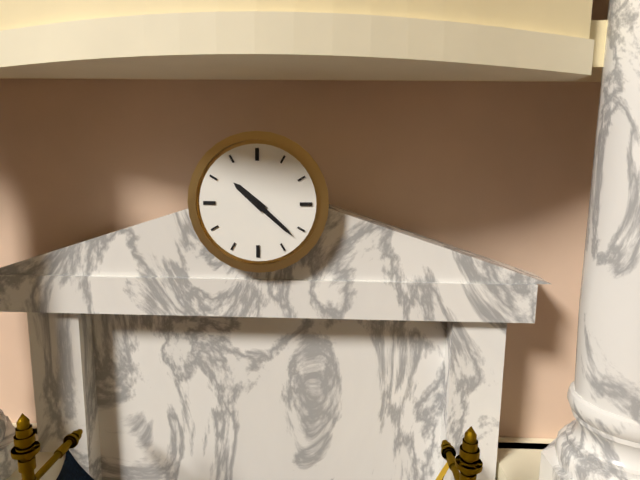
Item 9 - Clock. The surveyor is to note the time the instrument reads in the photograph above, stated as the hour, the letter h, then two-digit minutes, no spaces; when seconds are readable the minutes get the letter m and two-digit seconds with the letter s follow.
10h22
